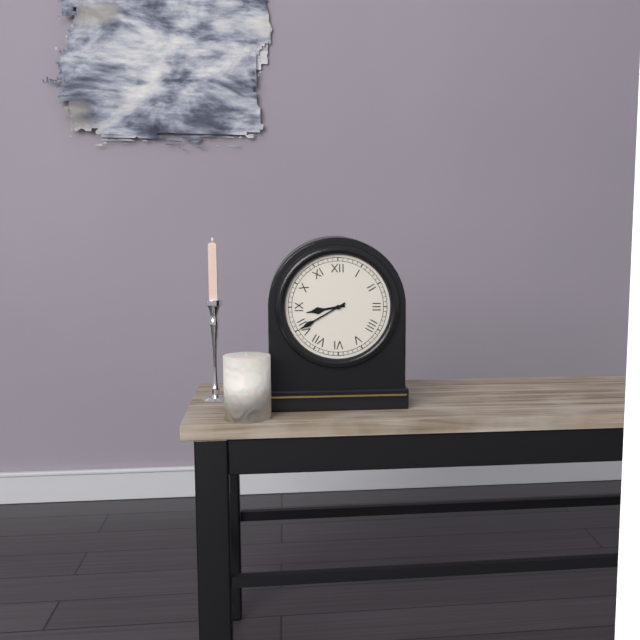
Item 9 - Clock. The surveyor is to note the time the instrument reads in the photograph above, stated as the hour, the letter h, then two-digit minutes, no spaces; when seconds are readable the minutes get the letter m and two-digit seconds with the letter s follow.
8h40
